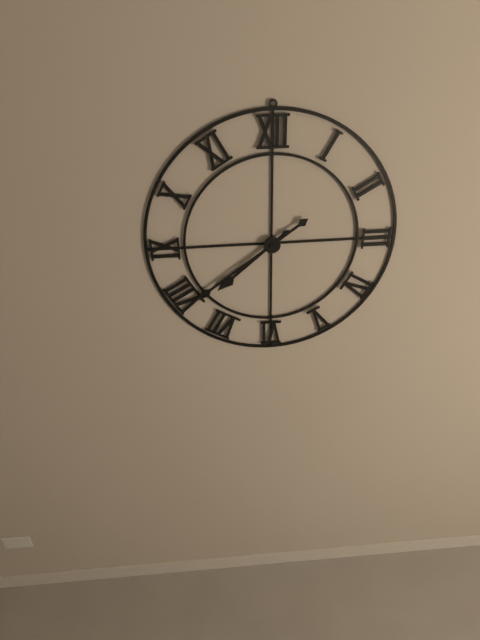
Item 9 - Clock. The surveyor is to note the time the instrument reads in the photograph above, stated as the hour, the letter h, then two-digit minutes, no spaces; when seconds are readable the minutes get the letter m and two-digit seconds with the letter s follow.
7h39
